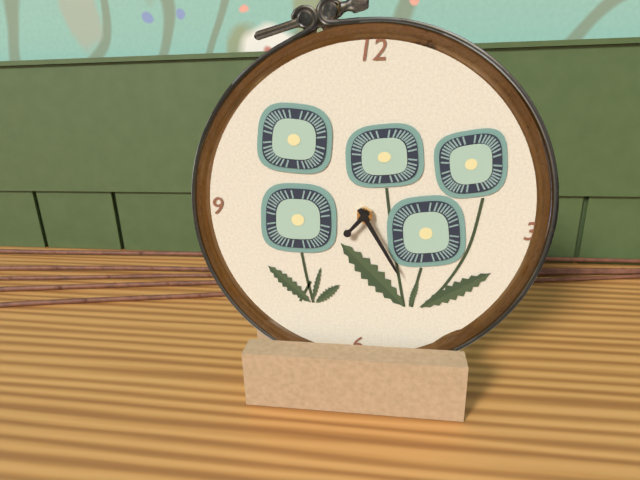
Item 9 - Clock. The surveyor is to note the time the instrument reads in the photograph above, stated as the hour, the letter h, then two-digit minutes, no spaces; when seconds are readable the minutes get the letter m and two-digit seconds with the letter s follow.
7h25
